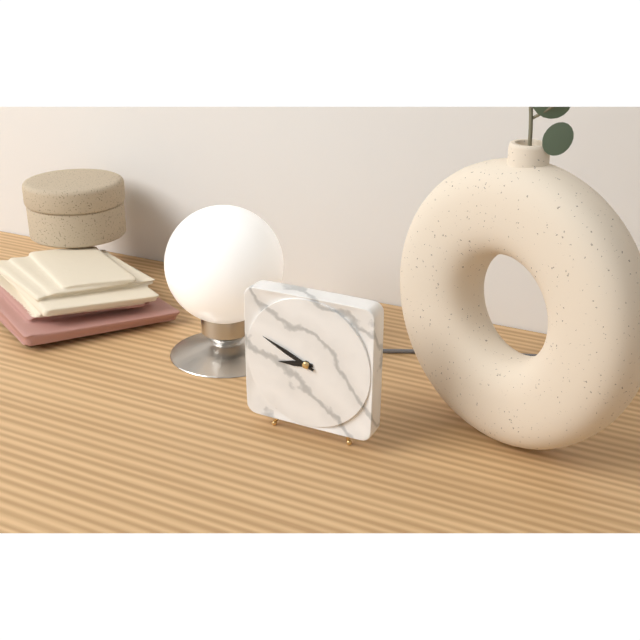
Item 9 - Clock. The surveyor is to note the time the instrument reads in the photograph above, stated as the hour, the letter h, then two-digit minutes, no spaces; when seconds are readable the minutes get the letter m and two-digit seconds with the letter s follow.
8h49
